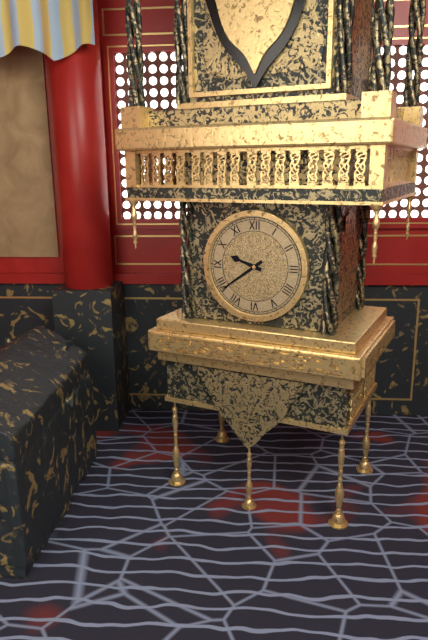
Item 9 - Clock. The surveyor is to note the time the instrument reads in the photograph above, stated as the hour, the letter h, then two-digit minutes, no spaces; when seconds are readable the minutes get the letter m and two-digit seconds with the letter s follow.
9h39
